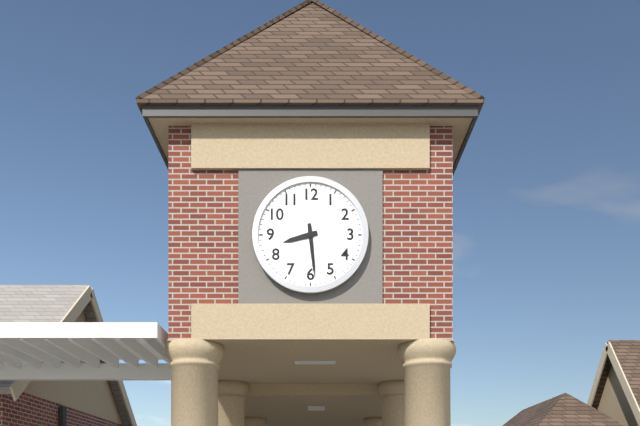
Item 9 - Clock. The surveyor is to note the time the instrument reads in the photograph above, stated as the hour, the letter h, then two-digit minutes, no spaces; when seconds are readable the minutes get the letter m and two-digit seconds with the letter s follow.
8h29
